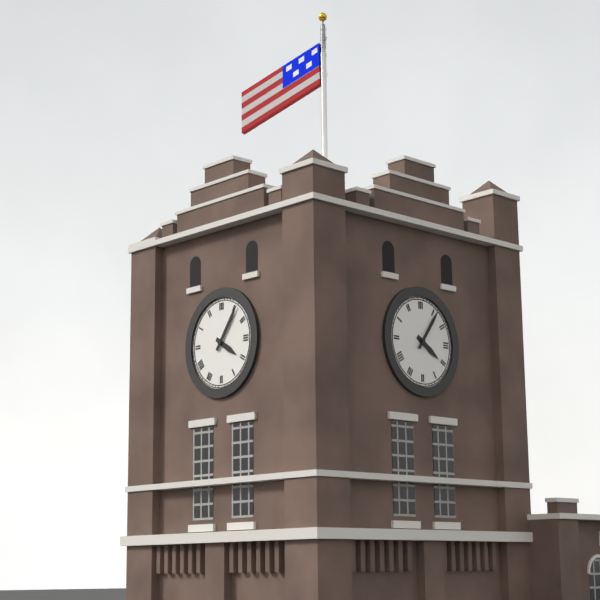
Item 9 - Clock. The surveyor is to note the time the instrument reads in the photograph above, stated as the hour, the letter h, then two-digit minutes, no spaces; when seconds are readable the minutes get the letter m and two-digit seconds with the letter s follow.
4h06
